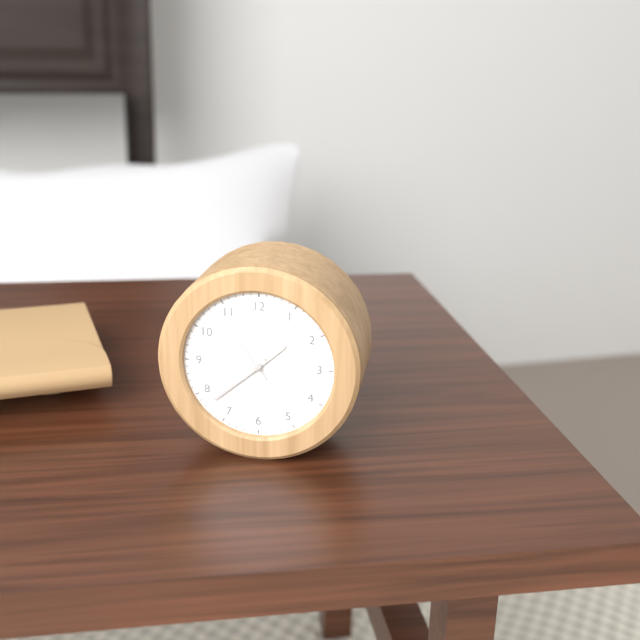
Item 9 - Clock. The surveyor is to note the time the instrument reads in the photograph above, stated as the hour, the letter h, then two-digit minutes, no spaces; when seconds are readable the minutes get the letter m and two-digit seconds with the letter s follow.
1h38m54s
